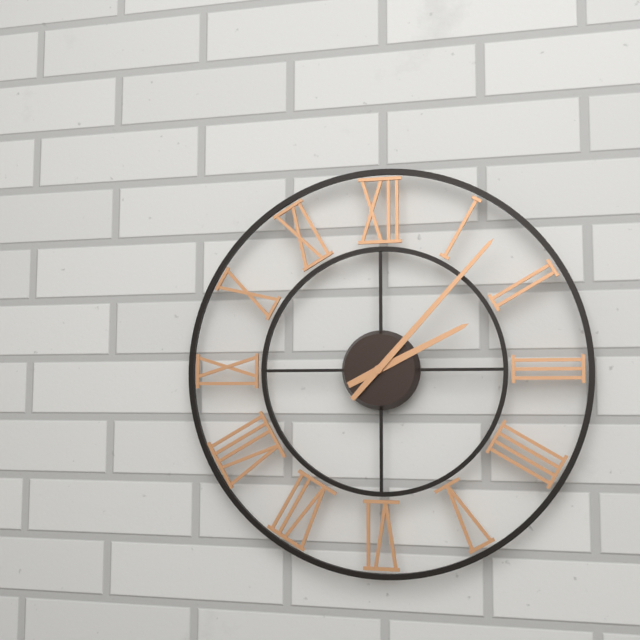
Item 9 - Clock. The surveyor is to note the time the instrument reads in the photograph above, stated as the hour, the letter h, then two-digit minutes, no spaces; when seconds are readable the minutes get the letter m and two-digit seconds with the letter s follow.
2h07
